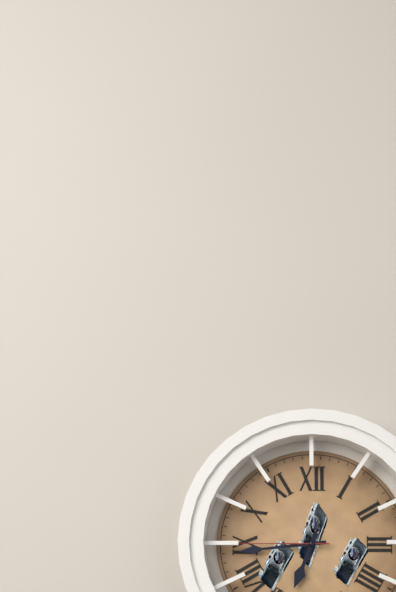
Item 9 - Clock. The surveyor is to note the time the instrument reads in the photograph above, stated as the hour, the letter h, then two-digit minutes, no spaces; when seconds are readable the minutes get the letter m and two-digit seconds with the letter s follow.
6h44m45s
